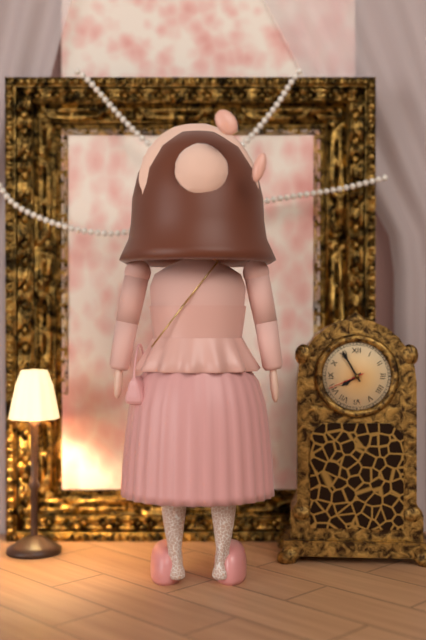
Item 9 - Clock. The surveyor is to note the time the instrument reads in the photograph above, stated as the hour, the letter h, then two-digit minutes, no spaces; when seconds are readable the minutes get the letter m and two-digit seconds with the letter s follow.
7h55
